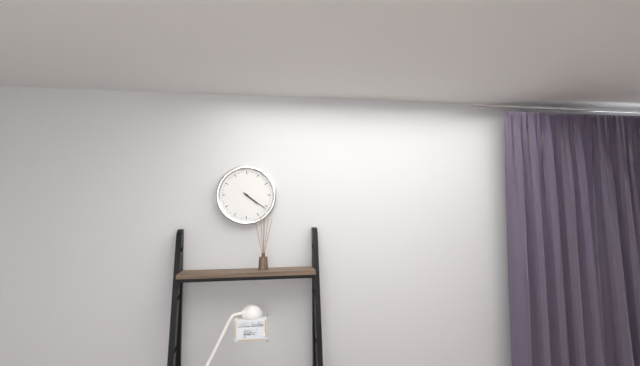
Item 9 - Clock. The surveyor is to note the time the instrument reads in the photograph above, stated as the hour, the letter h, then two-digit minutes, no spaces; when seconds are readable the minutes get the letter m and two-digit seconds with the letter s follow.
4h21
